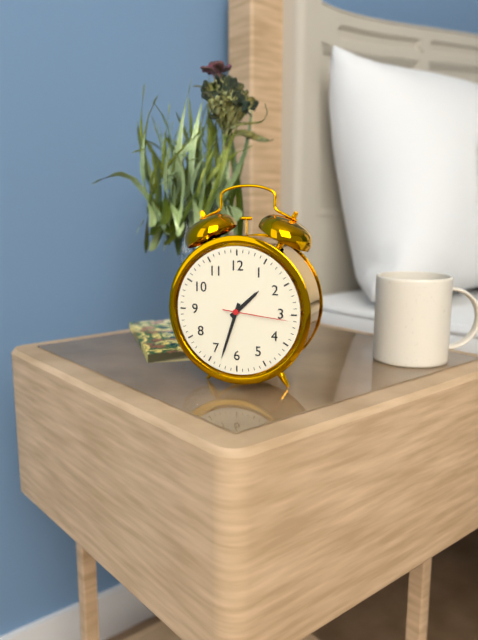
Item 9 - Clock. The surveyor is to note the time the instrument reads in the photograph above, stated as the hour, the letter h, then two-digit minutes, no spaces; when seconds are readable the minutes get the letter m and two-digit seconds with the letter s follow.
1h33m16s
